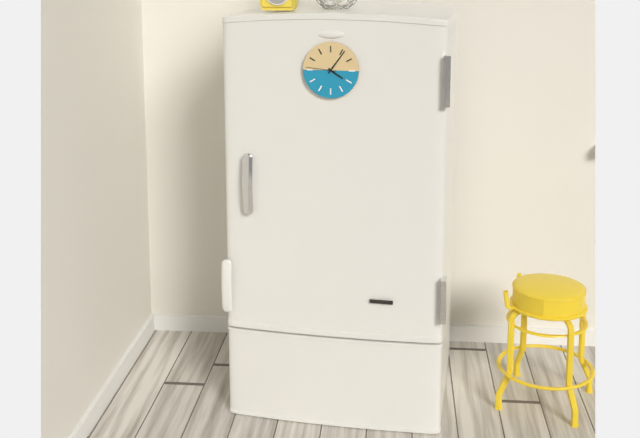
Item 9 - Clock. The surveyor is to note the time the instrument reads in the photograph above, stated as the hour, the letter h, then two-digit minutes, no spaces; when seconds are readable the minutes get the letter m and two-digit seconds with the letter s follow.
4h06
